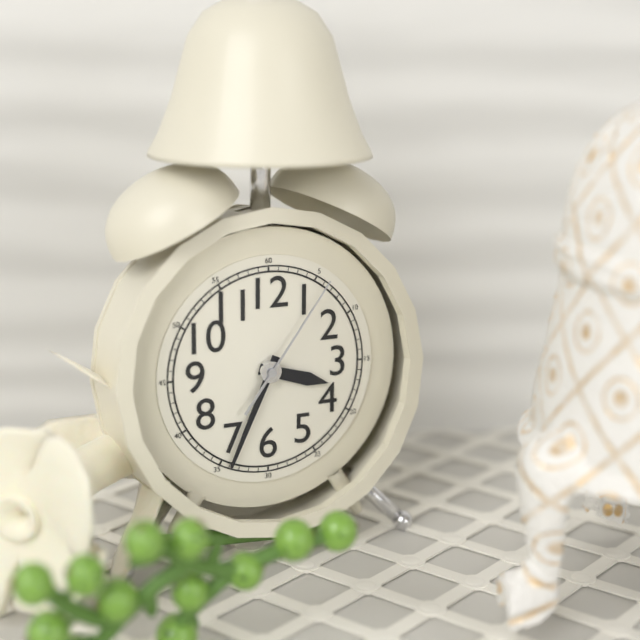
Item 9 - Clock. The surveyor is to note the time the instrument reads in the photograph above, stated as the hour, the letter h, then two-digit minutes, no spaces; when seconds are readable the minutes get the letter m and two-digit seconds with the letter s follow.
3h34m06s
